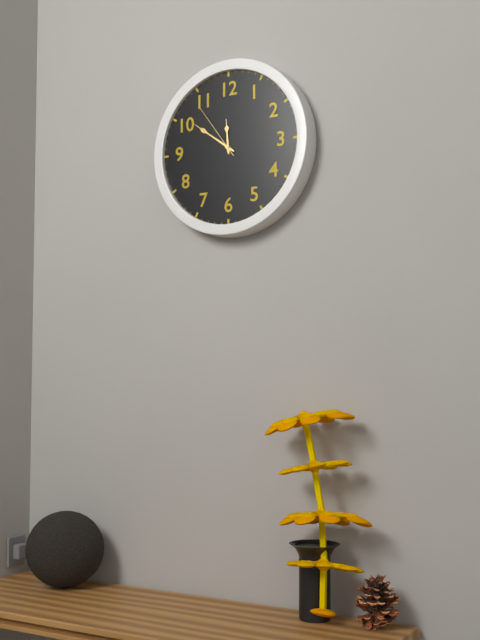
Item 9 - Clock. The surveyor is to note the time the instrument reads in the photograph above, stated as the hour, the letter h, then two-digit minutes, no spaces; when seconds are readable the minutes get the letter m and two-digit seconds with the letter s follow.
11h51m54s
